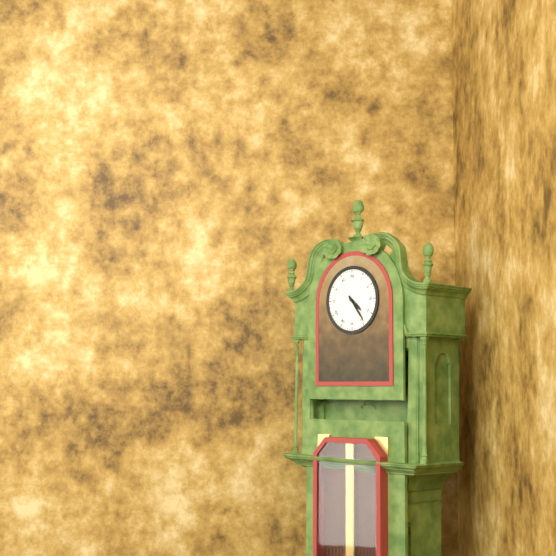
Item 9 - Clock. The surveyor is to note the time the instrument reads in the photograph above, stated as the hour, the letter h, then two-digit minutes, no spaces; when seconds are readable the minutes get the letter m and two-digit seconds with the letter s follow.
4h24
